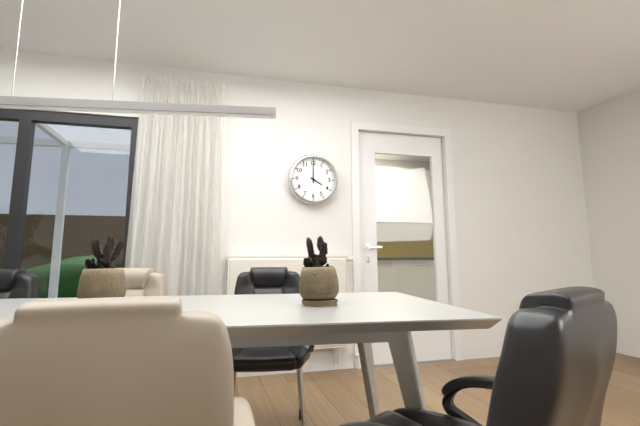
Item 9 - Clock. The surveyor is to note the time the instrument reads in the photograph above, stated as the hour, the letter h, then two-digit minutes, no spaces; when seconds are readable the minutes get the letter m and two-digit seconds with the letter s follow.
4h00
